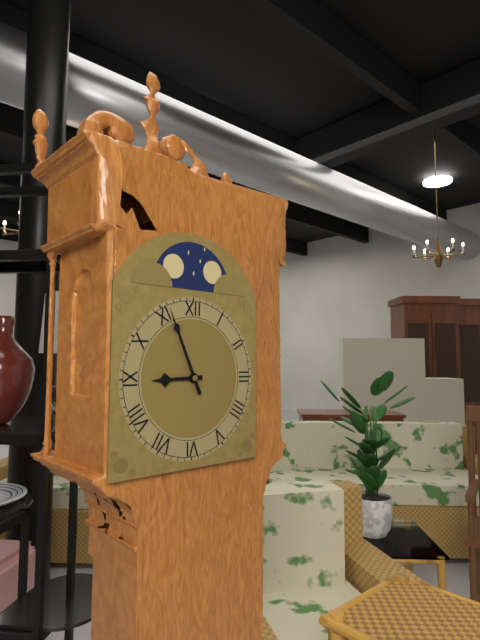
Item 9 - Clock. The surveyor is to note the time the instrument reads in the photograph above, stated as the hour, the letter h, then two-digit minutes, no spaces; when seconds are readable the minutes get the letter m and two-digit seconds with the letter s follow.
8h56
